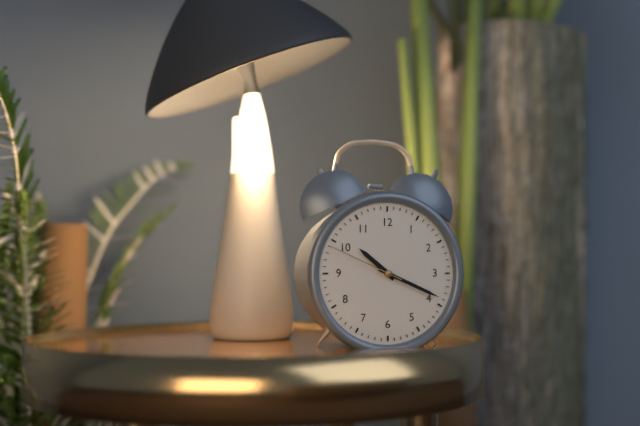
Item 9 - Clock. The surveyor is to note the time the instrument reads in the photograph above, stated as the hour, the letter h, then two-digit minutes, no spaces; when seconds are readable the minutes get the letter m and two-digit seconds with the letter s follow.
10h19m49s
